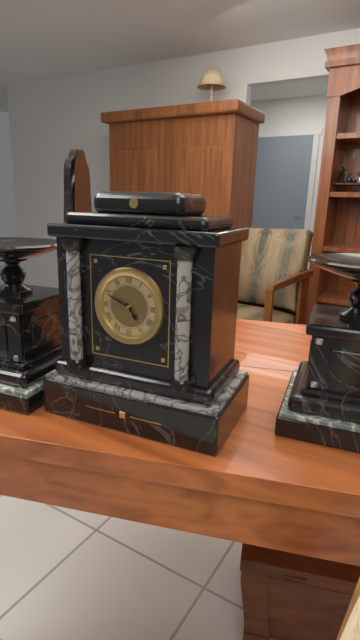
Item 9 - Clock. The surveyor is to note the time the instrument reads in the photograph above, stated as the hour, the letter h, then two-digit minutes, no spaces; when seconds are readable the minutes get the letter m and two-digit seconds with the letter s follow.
4h49
